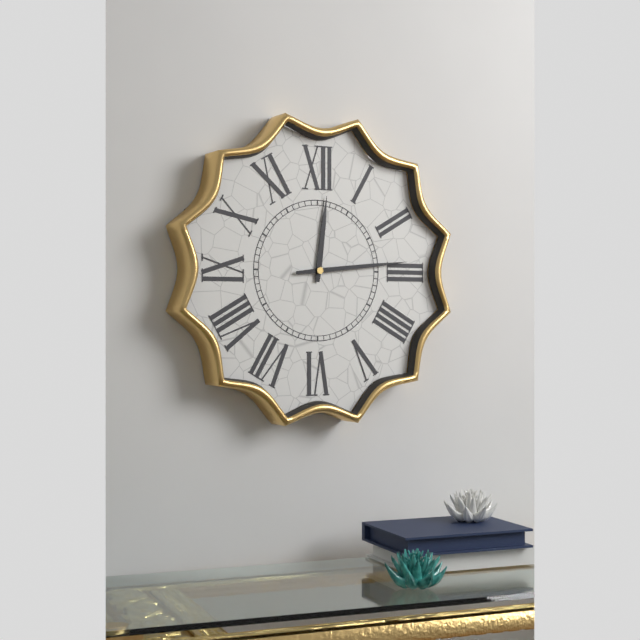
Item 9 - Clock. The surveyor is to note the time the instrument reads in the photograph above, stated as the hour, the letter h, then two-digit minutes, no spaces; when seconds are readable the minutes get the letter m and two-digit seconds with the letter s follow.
12h14
